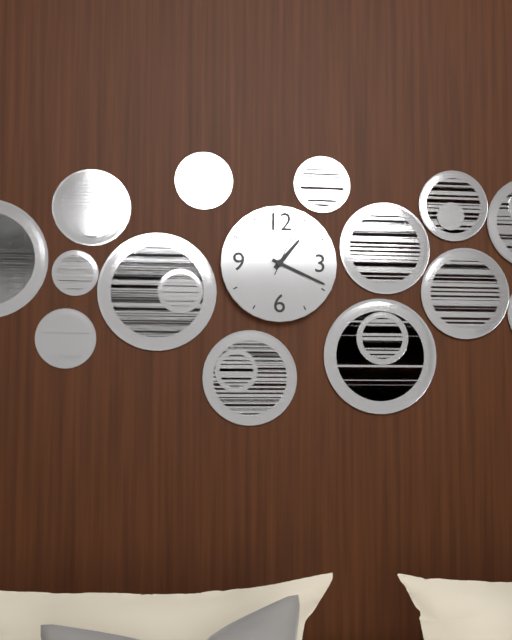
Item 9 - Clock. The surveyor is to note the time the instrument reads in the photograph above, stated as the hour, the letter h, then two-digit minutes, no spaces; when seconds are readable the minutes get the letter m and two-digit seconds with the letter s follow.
1h19m04s
